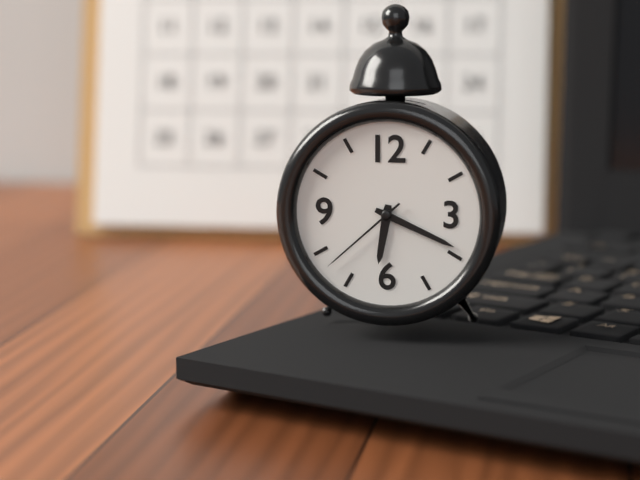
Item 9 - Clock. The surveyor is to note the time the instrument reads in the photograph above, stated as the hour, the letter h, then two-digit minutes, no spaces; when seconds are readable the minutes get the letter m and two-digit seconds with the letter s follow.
6h19m38s
